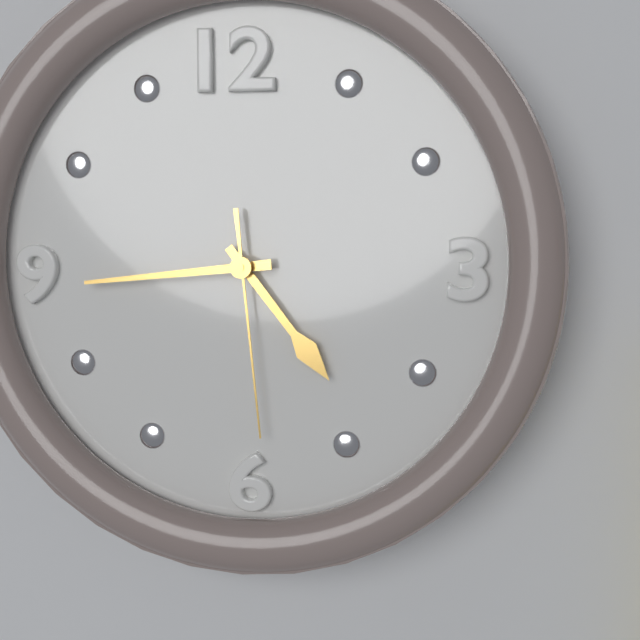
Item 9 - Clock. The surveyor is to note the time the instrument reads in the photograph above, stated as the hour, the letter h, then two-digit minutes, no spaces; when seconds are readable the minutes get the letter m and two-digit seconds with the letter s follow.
4h44m29s
